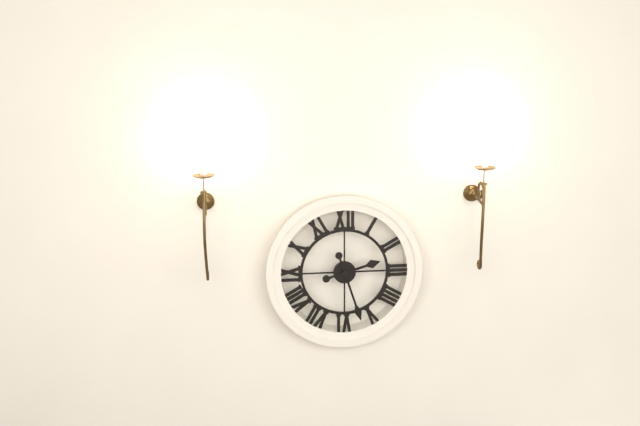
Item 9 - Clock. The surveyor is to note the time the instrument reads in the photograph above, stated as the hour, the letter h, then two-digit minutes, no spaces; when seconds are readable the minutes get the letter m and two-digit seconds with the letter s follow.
2h27
